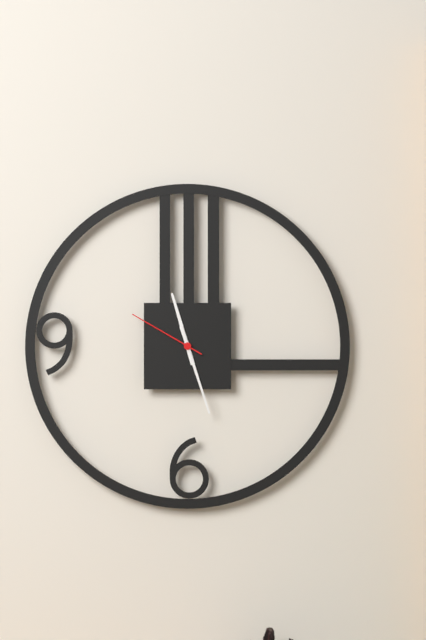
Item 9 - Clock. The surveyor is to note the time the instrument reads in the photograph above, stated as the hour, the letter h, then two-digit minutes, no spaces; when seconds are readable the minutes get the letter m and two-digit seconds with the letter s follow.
11h27m50s
